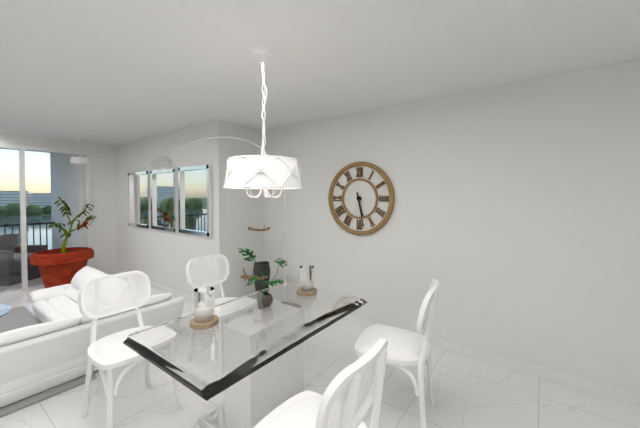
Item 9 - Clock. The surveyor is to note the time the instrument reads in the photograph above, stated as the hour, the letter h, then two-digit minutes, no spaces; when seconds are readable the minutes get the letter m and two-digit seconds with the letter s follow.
5h28
